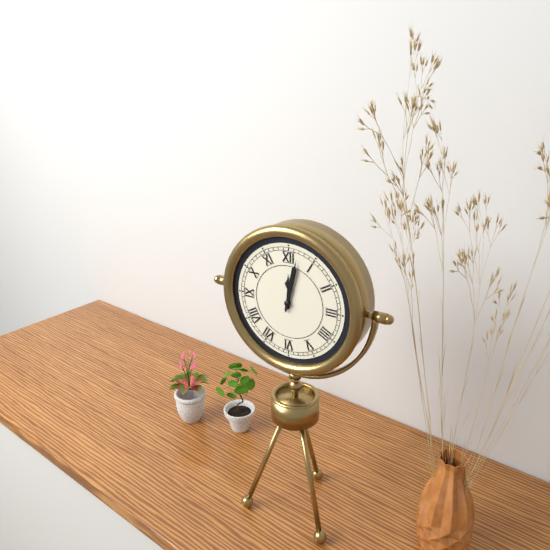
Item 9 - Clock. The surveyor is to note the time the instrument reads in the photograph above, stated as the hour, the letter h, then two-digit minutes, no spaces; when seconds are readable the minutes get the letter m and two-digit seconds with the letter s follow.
12h02
